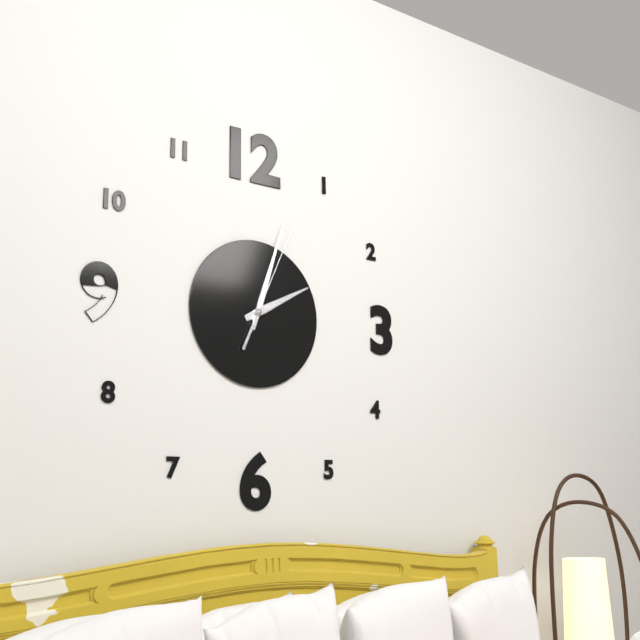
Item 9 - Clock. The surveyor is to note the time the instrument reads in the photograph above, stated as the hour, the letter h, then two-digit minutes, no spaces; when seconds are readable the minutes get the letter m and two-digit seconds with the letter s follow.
2h03m04s
